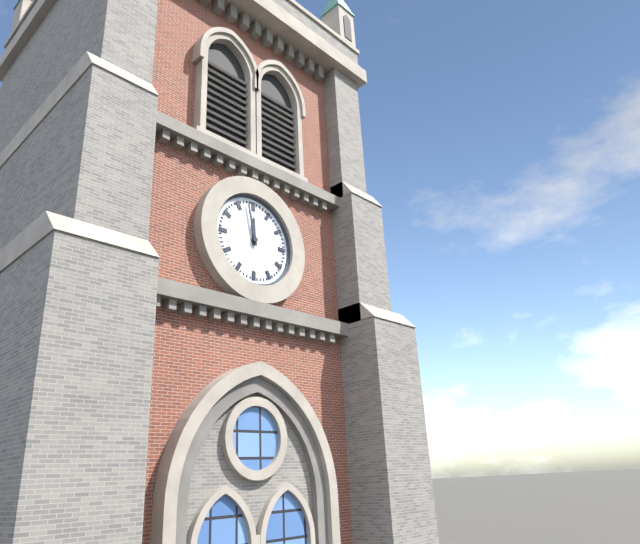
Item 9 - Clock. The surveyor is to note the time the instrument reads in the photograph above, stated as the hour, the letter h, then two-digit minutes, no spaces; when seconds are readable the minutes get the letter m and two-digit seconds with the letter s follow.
11h58
